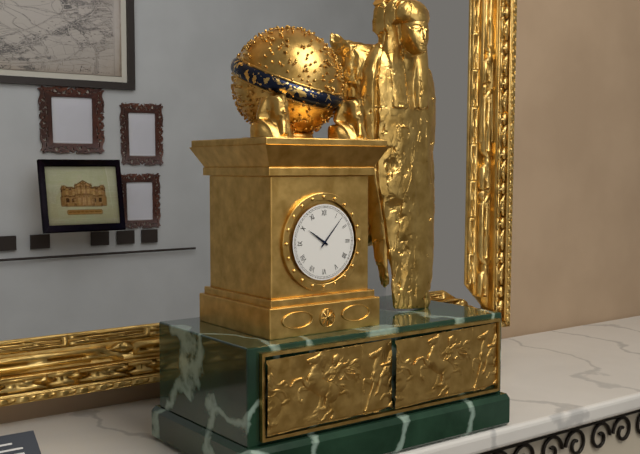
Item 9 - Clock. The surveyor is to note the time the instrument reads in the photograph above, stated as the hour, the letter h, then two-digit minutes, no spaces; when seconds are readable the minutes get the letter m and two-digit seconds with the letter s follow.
10h07
